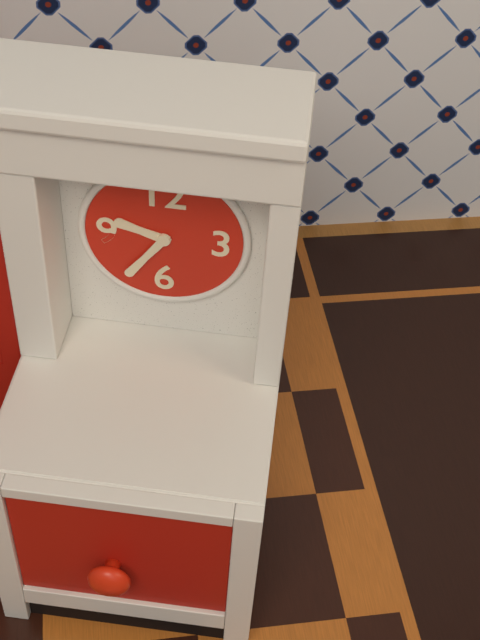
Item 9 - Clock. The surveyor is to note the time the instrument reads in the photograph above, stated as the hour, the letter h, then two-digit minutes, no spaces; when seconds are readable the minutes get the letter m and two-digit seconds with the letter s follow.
9h36
